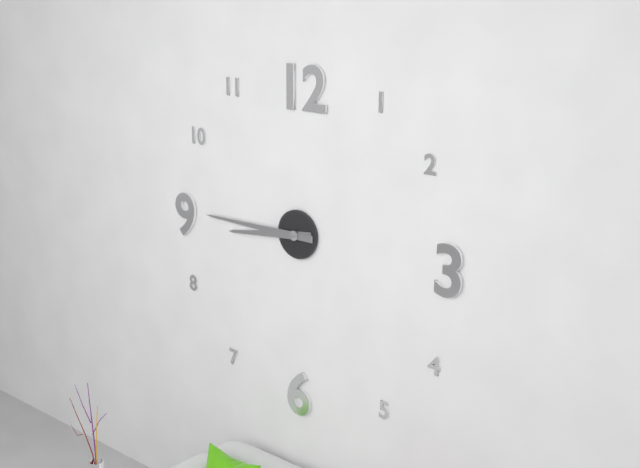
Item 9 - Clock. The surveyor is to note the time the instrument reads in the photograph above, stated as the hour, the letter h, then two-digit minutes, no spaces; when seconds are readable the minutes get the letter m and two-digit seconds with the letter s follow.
8h45
